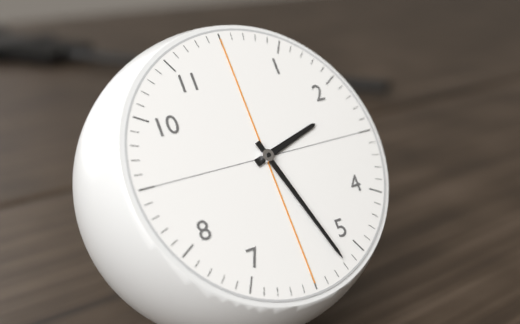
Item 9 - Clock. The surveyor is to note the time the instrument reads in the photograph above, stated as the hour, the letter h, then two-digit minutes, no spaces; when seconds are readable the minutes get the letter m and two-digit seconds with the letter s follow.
2h27
